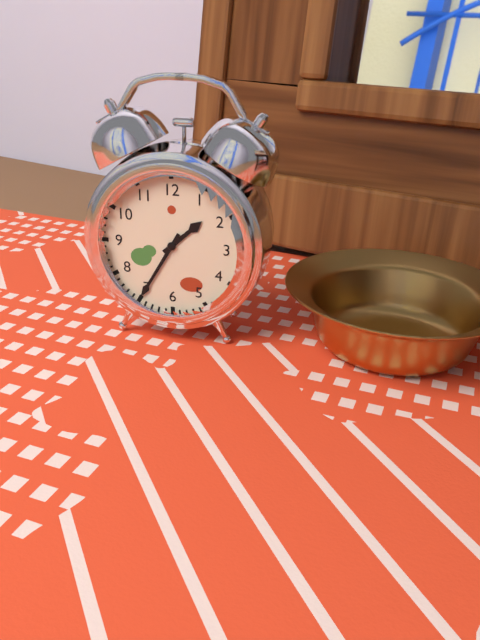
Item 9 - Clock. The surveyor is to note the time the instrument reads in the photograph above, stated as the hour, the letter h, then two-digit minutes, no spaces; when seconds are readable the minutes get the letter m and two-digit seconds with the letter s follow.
1h35
